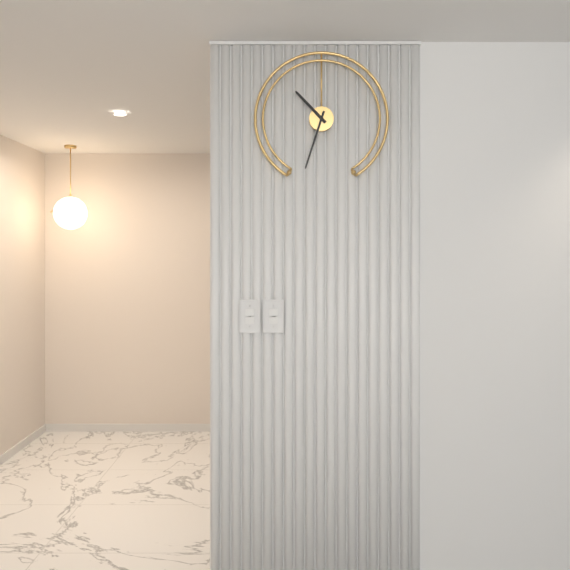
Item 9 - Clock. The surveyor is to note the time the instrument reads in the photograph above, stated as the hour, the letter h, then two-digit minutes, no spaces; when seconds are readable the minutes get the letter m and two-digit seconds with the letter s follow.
10h33
